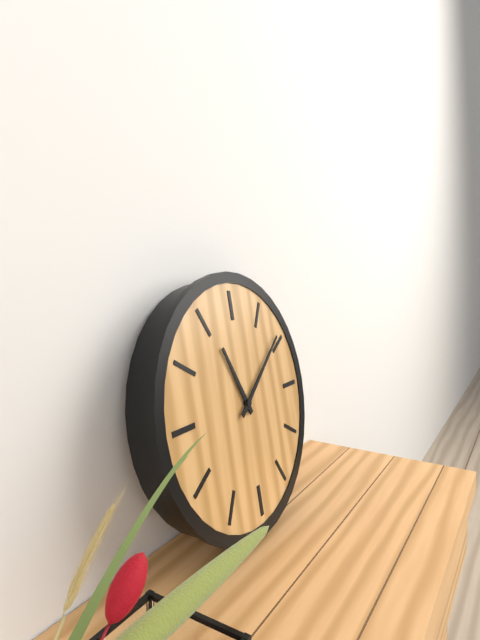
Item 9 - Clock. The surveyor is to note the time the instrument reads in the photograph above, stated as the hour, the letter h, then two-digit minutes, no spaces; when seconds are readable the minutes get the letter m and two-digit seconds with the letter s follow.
11h09
